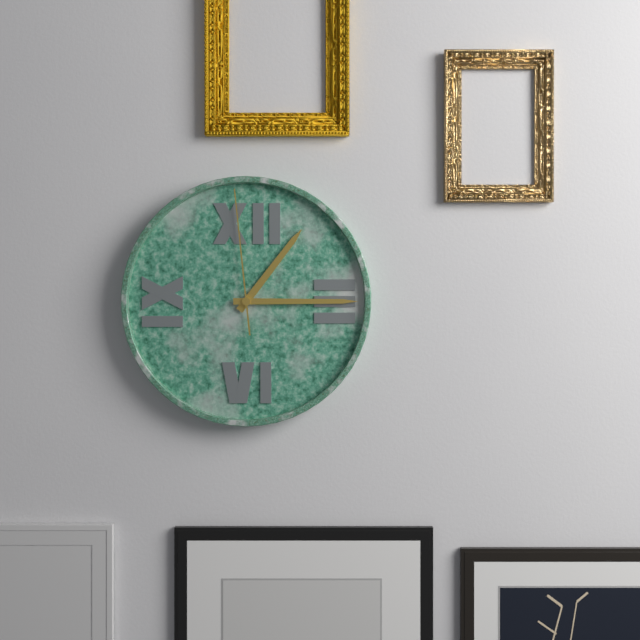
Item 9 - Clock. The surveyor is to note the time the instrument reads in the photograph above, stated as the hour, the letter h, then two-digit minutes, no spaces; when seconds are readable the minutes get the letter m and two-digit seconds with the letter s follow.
1h15m59s
